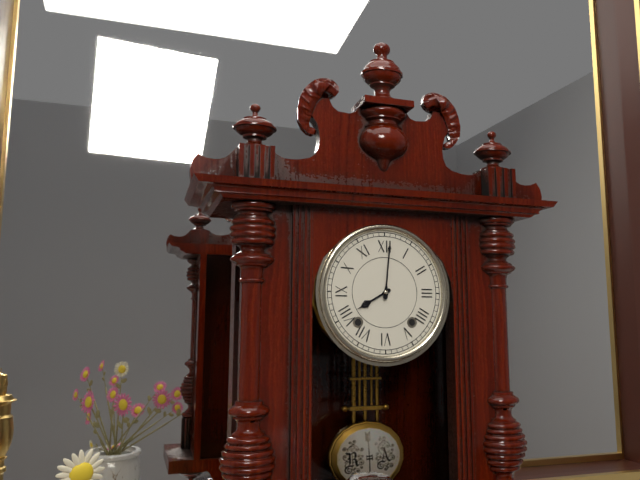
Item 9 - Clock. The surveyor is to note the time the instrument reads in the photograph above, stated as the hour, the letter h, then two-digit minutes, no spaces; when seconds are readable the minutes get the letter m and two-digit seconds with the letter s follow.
8h01
